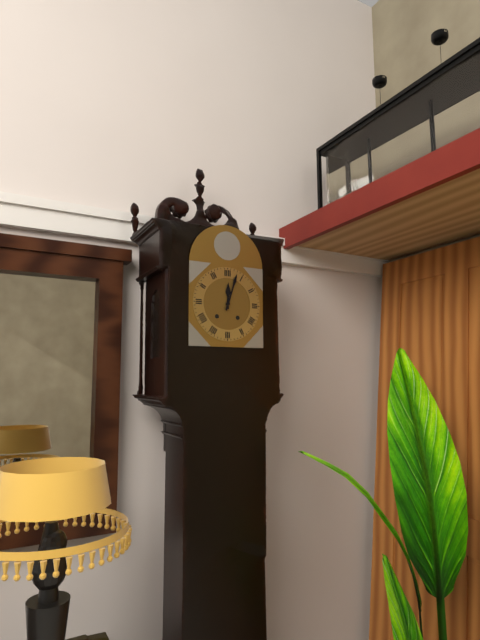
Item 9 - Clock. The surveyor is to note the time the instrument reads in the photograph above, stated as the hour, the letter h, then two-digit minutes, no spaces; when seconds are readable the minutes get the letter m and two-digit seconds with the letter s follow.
12h03
